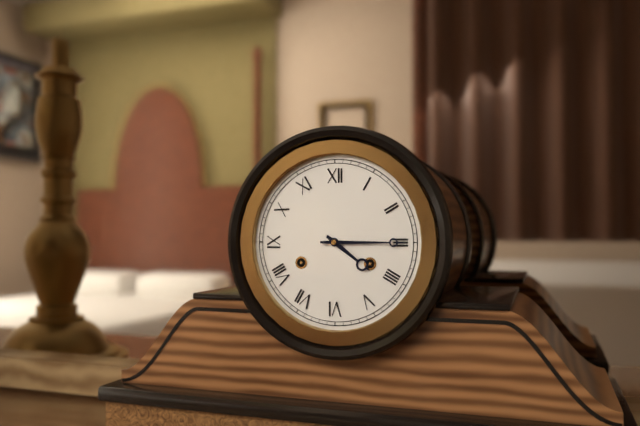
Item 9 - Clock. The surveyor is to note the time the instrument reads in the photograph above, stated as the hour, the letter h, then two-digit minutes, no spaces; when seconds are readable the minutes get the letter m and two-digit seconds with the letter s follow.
4h15
